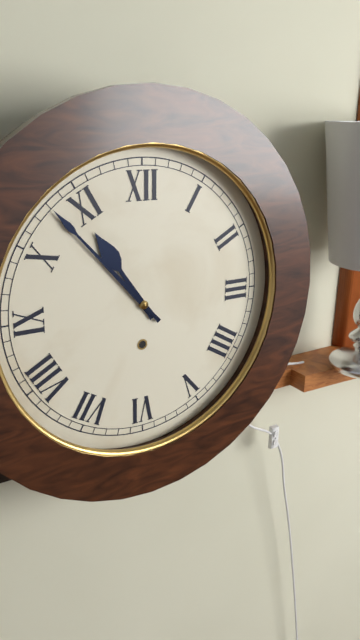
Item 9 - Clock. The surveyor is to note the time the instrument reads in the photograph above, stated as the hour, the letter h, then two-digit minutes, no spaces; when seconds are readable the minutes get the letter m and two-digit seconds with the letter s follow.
10h53
